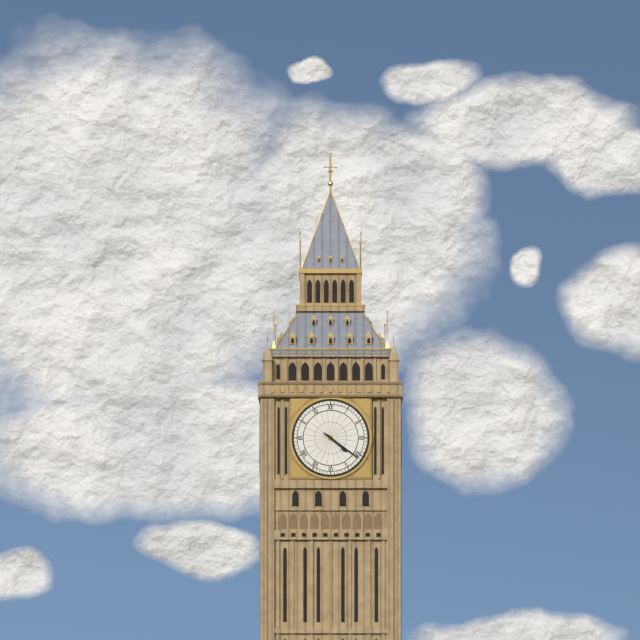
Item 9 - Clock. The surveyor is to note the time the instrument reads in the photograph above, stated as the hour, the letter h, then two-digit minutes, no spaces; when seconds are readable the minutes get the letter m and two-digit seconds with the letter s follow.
4h21
